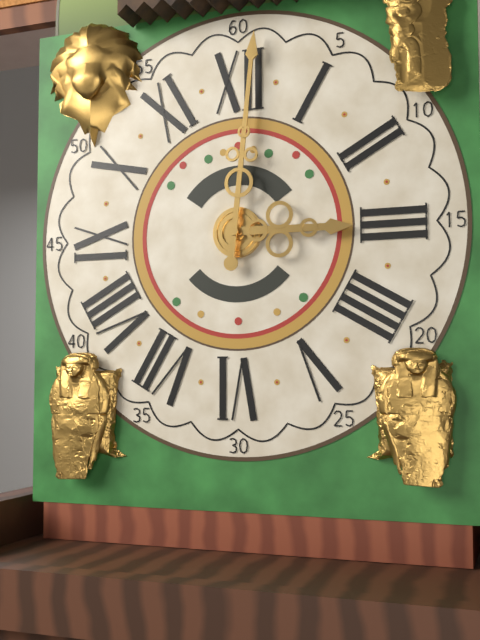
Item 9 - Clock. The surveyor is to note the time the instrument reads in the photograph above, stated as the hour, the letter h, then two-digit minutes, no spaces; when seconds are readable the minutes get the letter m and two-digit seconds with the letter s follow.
3h01
